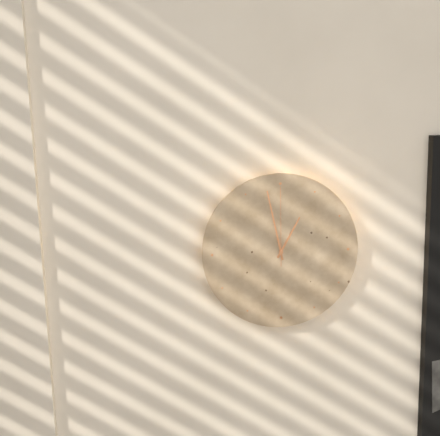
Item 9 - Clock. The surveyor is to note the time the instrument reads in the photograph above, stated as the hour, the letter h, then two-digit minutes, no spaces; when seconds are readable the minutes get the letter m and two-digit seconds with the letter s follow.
12h58m00s
